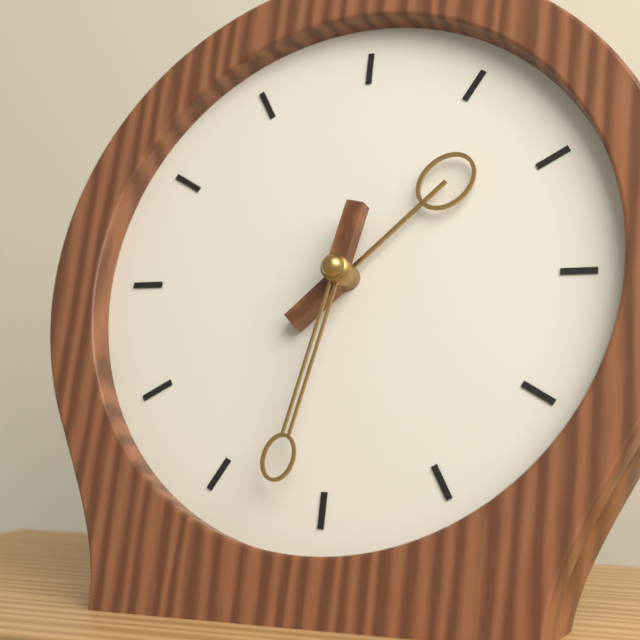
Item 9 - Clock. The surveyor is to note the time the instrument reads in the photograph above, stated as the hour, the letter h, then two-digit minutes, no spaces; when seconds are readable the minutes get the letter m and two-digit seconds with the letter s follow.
1h32
